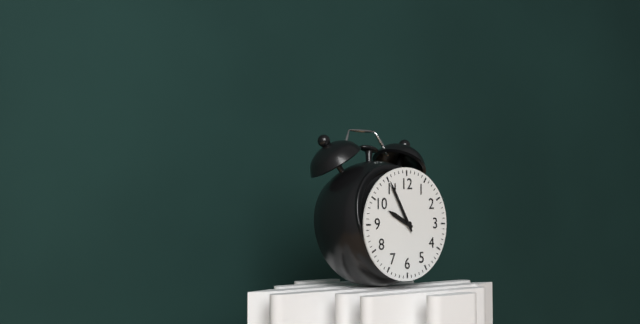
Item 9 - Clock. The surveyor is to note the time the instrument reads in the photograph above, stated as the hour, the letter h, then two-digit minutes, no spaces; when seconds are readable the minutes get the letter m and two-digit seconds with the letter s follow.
9h55
